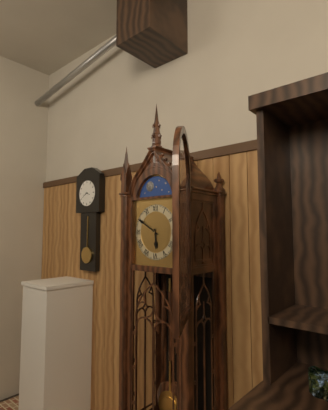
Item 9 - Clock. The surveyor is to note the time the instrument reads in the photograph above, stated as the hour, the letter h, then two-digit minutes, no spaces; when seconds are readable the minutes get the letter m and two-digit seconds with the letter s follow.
5h50
